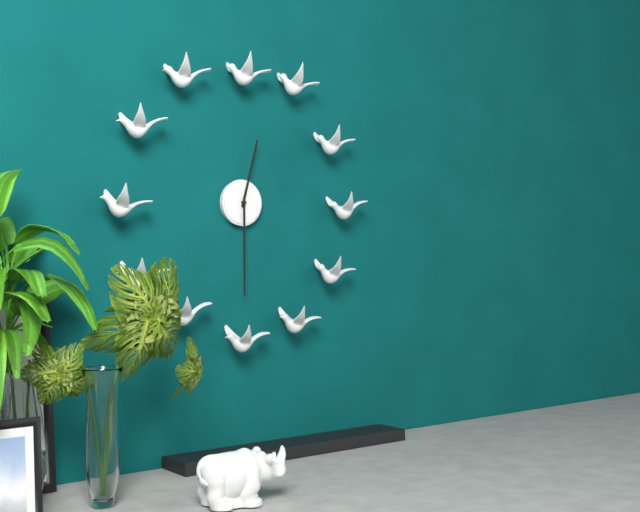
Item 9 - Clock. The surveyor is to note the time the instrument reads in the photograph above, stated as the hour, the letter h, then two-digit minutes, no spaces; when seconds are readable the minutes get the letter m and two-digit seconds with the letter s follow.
12h30
